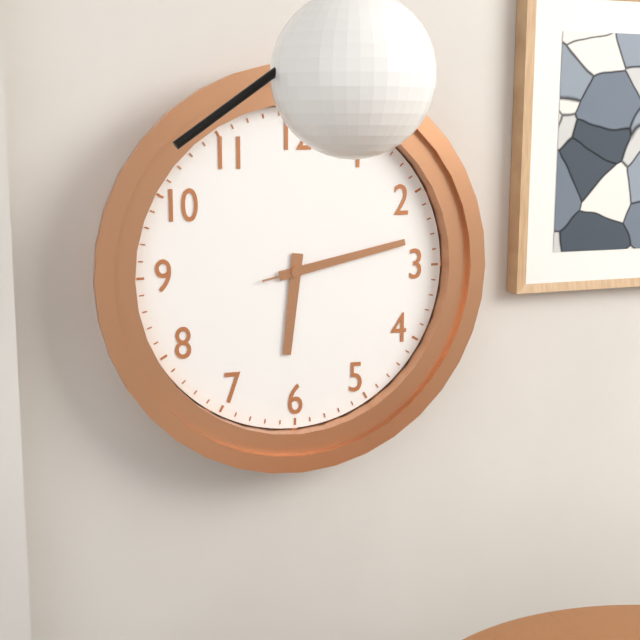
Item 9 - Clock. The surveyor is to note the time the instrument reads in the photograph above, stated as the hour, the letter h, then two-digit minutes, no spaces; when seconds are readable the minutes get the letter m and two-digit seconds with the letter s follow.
6h13m13s
